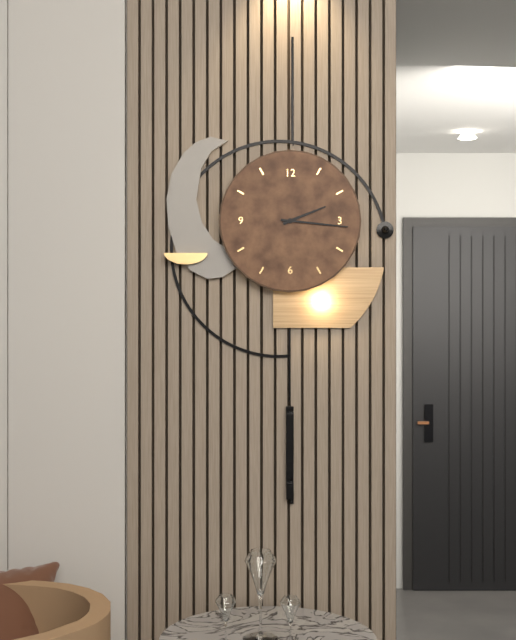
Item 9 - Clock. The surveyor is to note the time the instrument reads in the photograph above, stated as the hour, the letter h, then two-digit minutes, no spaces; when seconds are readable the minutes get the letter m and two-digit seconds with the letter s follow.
2h16
